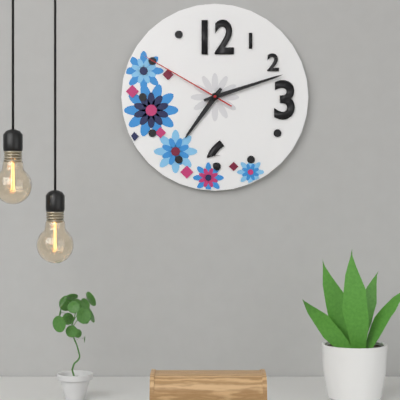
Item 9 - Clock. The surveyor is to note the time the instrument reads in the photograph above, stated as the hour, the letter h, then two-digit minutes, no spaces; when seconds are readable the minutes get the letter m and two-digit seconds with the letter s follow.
7h12m50s
